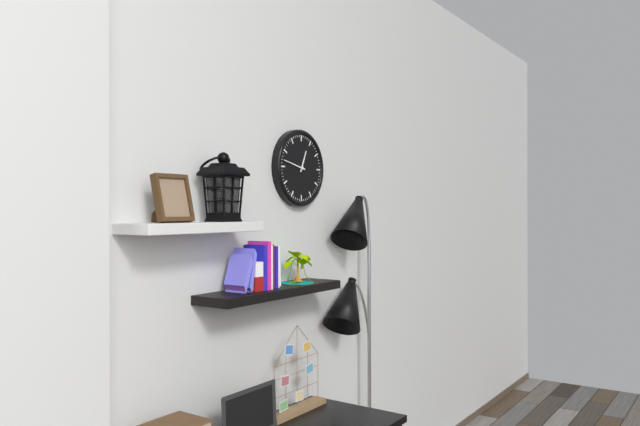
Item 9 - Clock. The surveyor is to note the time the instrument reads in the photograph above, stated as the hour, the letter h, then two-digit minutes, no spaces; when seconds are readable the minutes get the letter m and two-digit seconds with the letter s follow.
12h47
